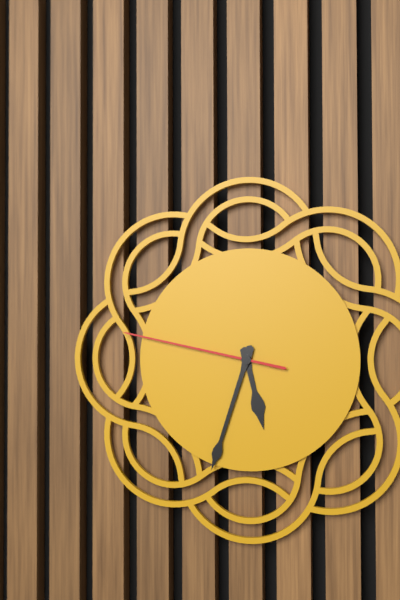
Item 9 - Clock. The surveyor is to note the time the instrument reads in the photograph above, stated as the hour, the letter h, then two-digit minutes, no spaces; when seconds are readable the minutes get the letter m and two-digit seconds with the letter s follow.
5h33m47s
